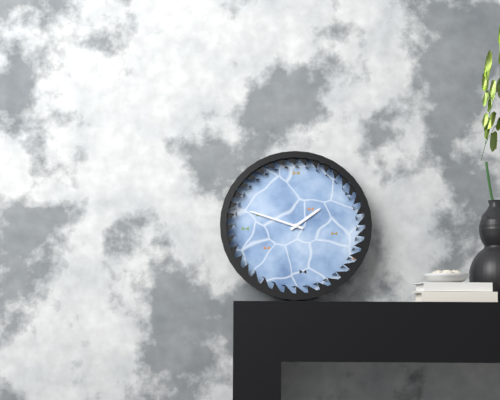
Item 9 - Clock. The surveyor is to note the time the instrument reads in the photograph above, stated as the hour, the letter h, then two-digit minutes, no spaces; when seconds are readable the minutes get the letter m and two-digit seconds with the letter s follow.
1h48
